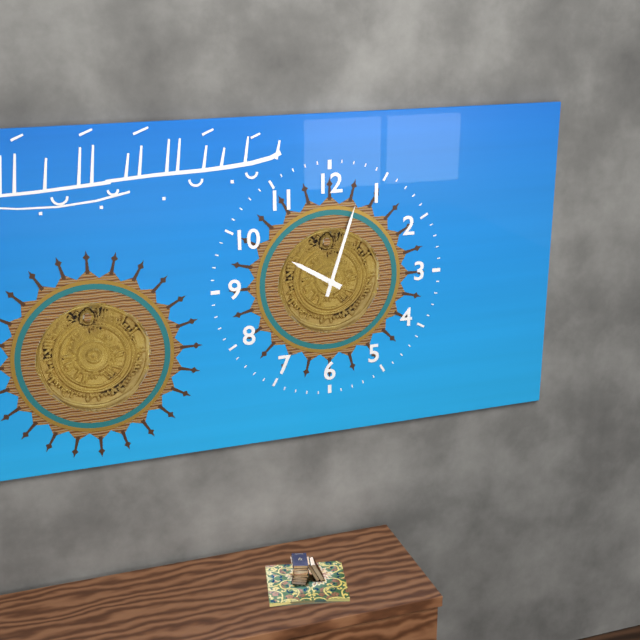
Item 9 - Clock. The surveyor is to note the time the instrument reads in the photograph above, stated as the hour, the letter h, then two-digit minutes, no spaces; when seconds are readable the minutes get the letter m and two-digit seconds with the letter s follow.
10h03
